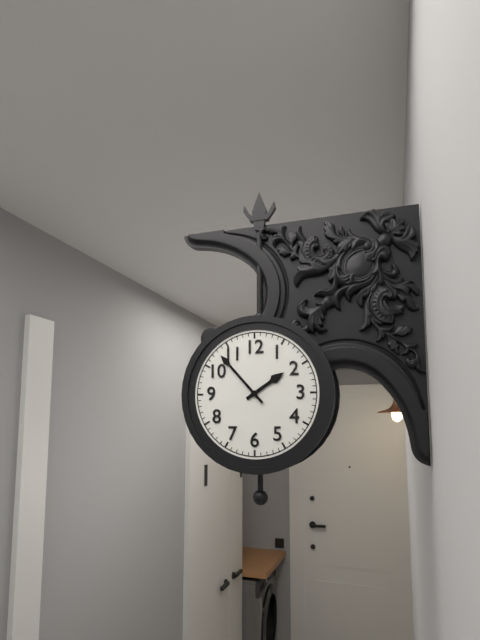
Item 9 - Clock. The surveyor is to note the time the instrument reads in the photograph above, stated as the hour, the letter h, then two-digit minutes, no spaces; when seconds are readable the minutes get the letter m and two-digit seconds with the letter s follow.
1h53
